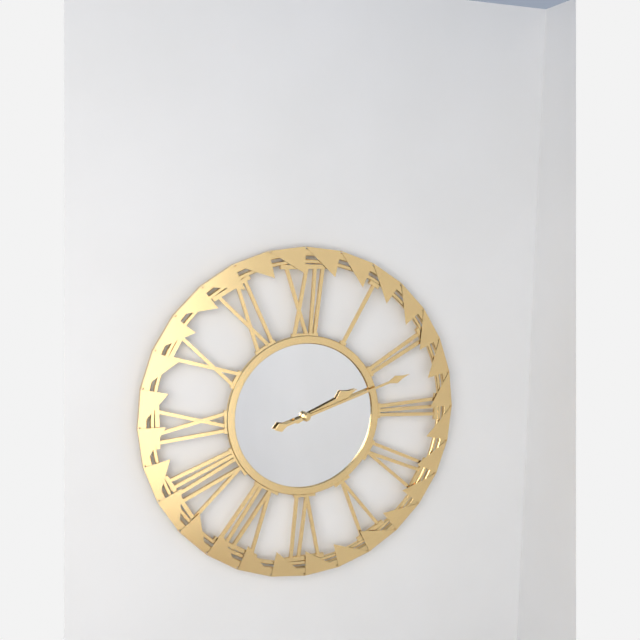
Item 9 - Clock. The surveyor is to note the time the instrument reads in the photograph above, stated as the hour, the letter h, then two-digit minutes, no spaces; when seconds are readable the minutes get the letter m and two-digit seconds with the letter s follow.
2h12
